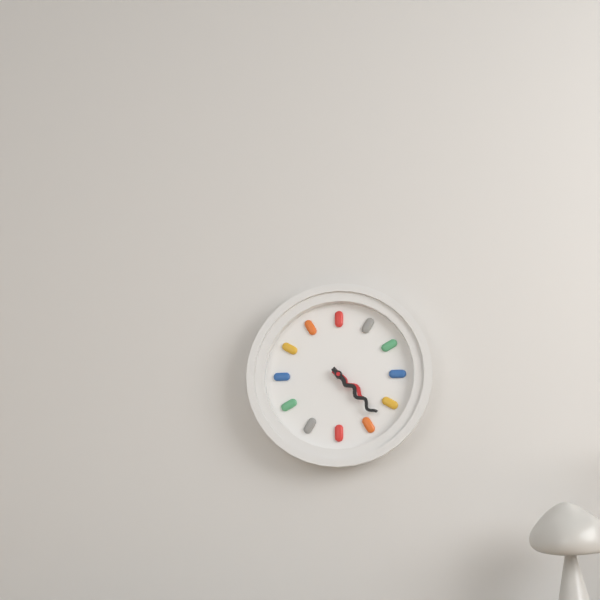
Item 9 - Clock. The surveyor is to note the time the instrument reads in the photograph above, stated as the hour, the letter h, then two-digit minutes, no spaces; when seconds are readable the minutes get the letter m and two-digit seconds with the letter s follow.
4h23
